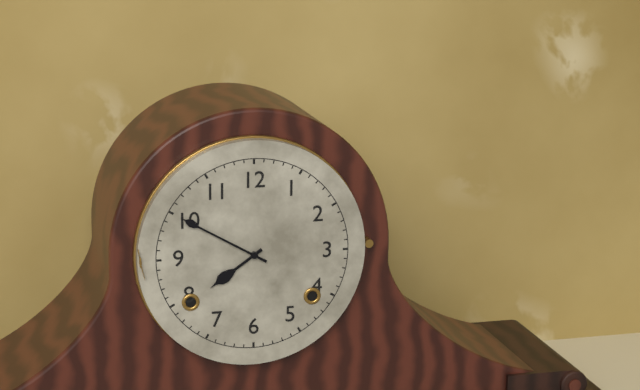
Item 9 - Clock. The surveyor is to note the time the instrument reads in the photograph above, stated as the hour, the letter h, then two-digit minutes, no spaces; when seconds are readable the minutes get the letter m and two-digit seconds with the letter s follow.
7h50
